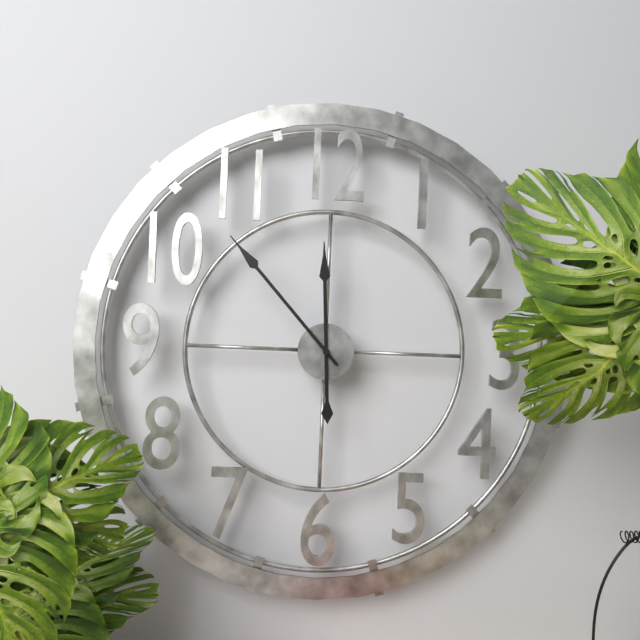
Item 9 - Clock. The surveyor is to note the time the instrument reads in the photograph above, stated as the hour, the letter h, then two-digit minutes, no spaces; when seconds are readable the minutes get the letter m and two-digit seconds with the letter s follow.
11h53
